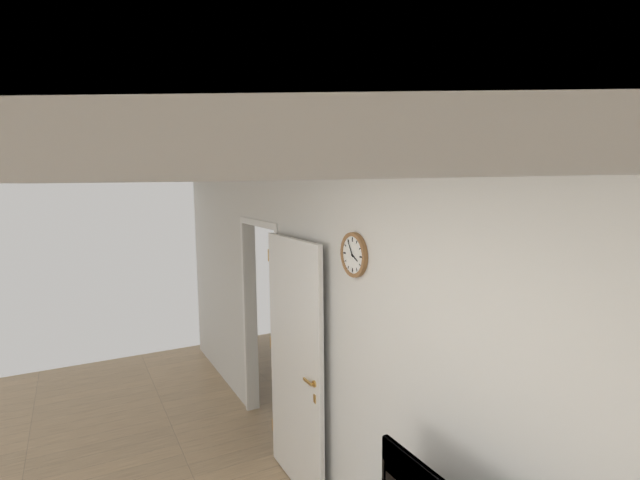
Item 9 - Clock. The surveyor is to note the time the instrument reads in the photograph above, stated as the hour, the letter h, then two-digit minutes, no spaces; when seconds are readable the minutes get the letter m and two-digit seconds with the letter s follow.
3h55
